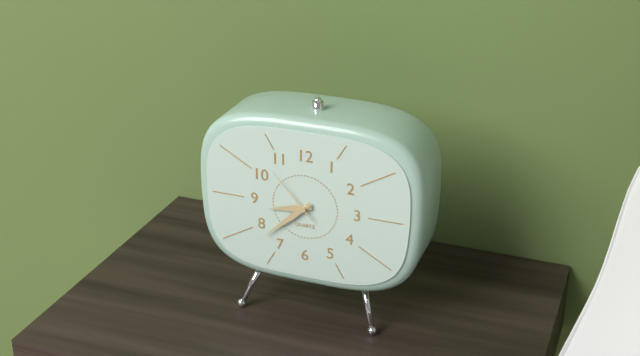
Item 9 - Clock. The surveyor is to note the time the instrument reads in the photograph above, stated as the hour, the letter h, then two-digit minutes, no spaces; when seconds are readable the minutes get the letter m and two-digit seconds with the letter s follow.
8h38m53s
